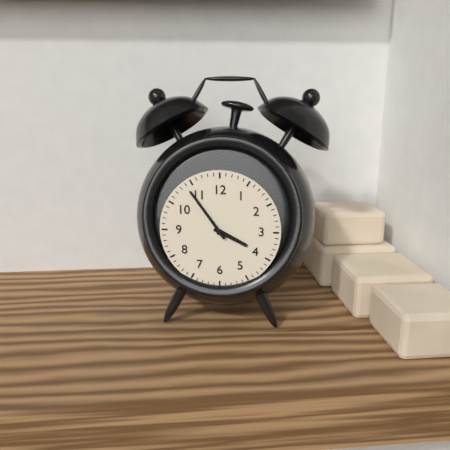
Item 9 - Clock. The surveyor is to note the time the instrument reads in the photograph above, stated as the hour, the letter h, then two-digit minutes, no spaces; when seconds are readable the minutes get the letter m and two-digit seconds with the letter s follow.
3h54
